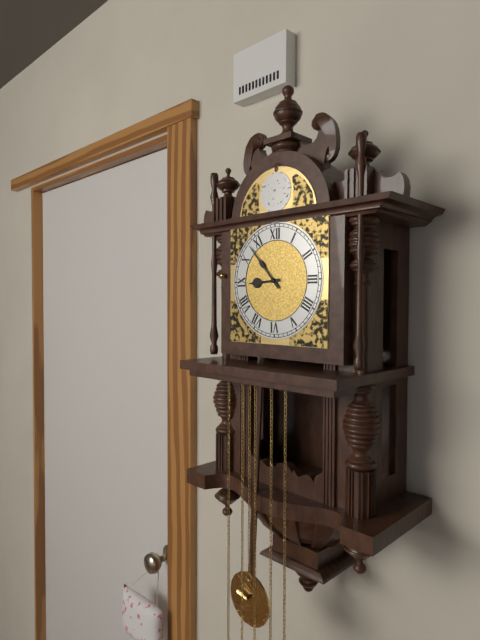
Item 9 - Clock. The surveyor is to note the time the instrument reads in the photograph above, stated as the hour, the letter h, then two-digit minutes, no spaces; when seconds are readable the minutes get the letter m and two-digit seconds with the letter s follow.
8h53
